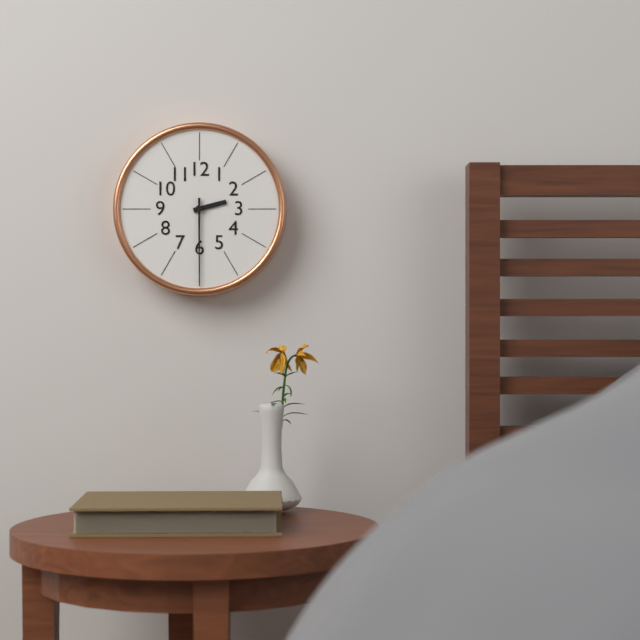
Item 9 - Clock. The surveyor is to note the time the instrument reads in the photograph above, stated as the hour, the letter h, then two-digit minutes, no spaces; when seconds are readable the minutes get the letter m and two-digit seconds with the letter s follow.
2h30
